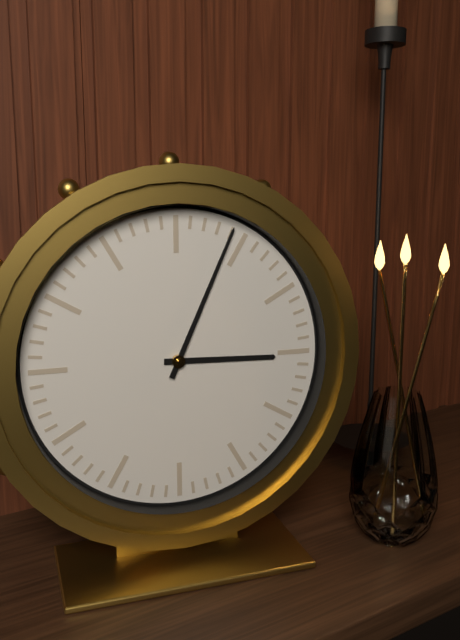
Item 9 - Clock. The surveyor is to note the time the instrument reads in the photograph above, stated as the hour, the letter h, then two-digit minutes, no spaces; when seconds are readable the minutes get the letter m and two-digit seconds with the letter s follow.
3h04
